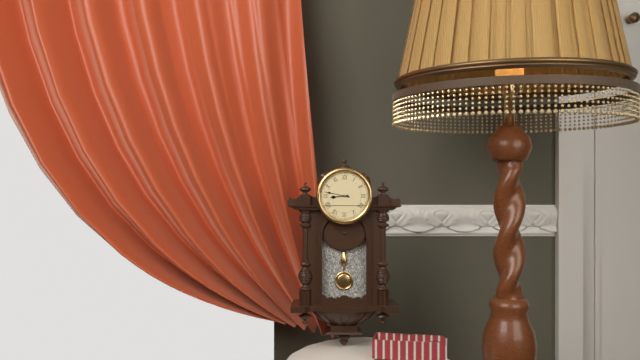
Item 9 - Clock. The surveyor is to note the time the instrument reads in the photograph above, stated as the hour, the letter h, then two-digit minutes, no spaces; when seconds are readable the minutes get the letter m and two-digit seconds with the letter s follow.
8h47
